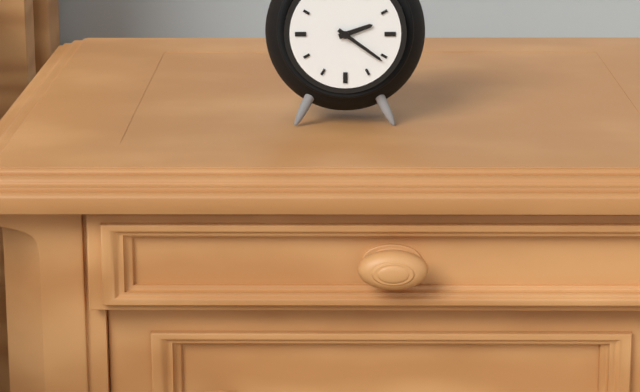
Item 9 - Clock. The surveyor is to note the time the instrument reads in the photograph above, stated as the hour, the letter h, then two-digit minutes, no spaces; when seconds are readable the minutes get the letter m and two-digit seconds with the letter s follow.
2h21
